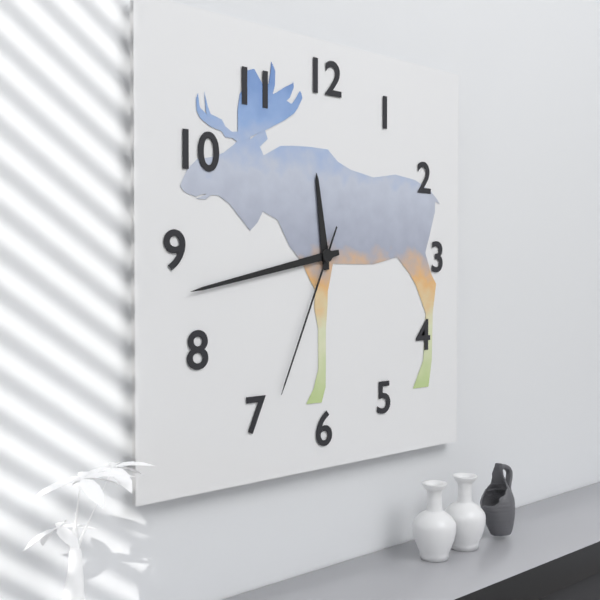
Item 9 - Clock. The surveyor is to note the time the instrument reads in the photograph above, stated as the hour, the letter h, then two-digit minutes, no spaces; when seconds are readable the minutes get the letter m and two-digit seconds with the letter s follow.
11h43m34s
